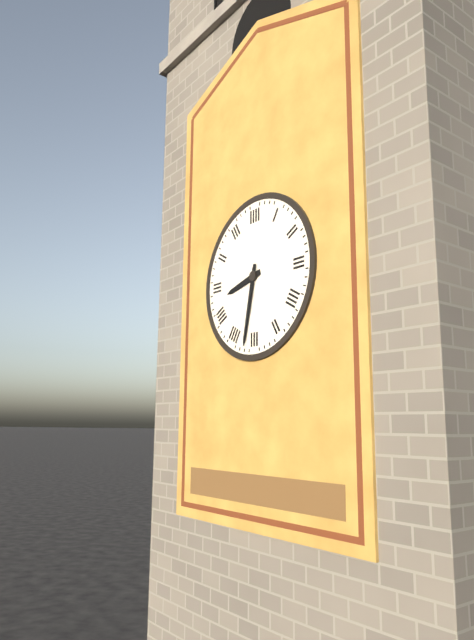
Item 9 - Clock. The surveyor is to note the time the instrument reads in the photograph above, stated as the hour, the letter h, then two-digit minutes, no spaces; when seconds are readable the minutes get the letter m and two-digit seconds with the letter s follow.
8h32
